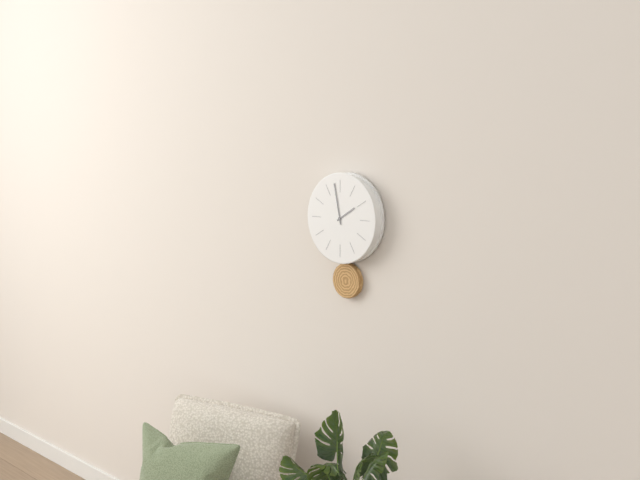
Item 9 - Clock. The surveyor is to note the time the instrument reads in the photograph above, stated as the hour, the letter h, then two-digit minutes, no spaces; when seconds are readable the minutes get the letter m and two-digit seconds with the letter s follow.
1h58
